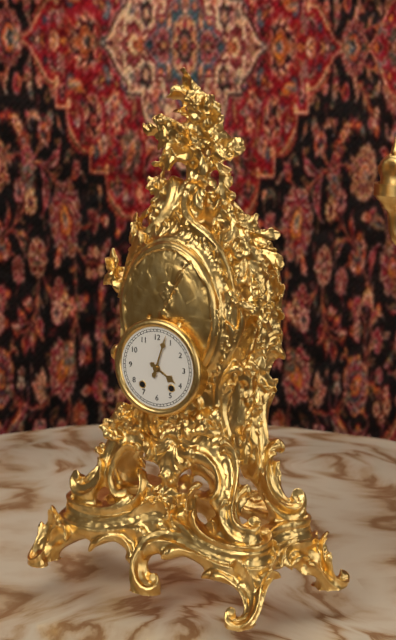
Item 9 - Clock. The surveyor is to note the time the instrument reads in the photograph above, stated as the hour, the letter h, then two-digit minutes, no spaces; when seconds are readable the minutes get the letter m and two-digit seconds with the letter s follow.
4h03
